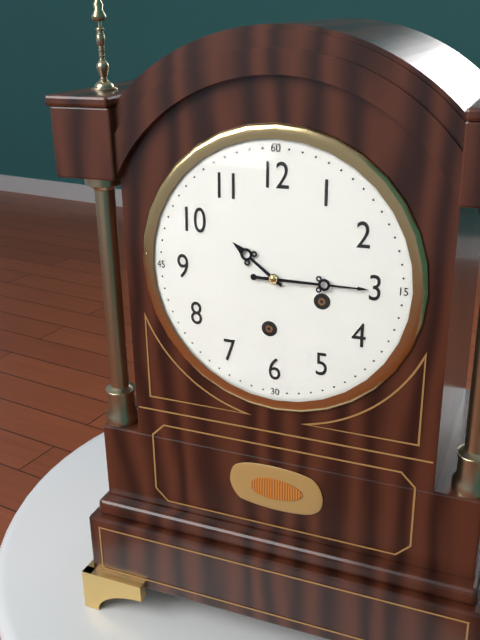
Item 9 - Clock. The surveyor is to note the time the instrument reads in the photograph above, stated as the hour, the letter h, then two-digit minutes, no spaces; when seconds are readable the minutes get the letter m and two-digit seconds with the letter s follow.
10h15
